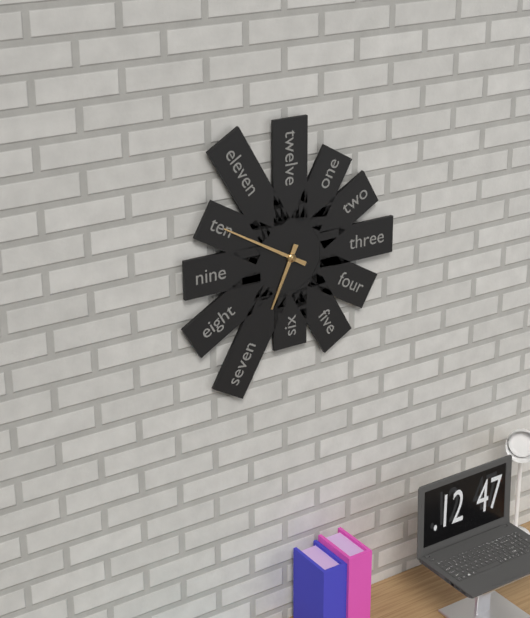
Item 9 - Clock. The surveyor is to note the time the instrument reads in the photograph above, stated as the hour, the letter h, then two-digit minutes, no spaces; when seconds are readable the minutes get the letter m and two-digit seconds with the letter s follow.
6h50
